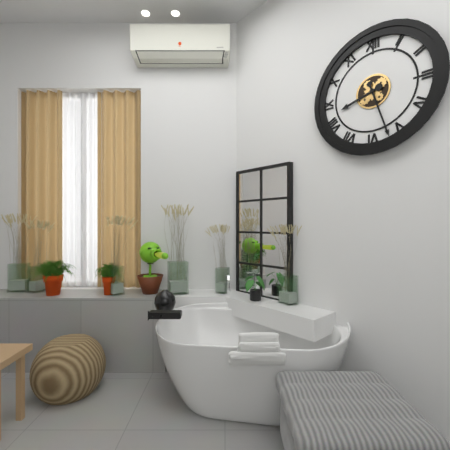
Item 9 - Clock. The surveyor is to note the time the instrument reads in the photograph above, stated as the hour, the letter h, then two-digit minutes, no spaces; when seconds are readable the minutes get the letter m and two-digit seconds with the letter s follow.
8h27
